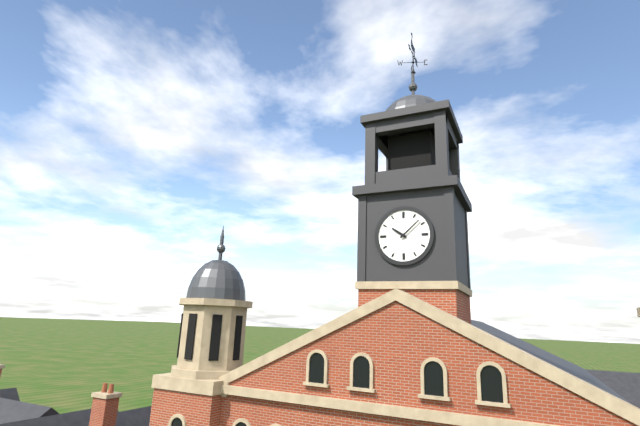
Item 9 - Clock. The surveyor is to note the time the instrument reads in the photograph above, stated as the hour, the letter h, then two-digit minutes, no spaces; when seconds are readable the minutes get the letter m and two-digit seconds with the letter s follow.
10h08
